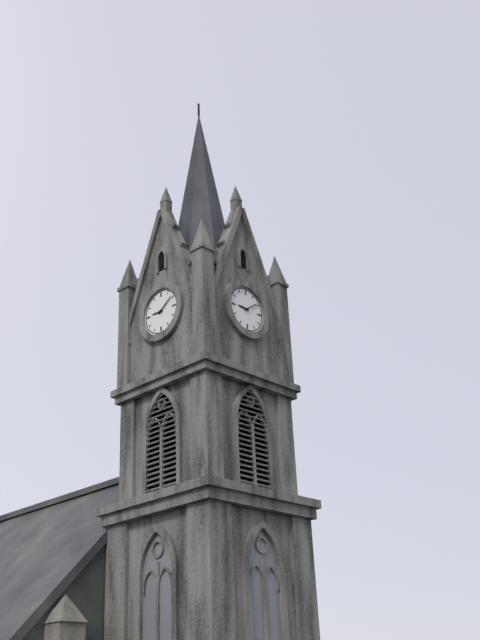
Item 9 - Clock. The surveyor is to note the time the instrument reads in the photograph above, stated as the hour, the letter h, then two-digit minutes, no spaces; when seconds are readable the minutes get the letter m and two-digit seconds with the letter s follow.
9h09
